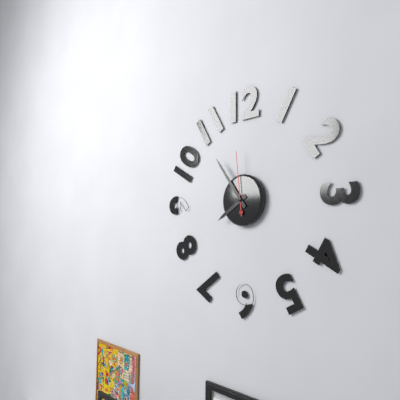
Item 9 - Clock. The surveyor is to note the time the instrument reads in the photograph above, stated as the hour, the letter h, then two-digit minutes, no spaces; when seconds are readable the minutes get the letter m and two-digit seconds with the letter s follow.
7h54m59s
